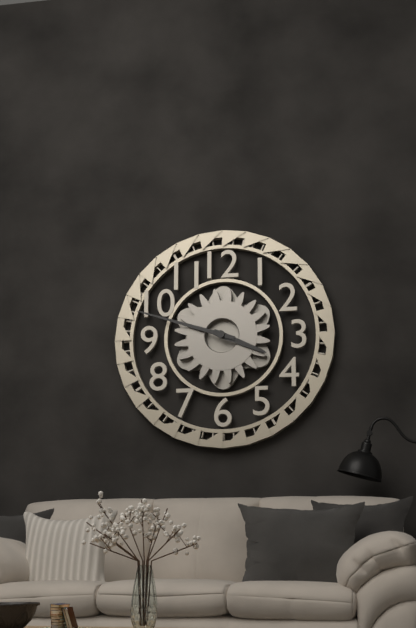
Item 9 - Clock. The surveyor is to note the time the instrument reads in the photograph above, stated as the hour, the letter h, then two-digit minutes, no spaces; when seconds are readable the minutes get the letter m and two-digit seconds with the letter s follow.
3h48
